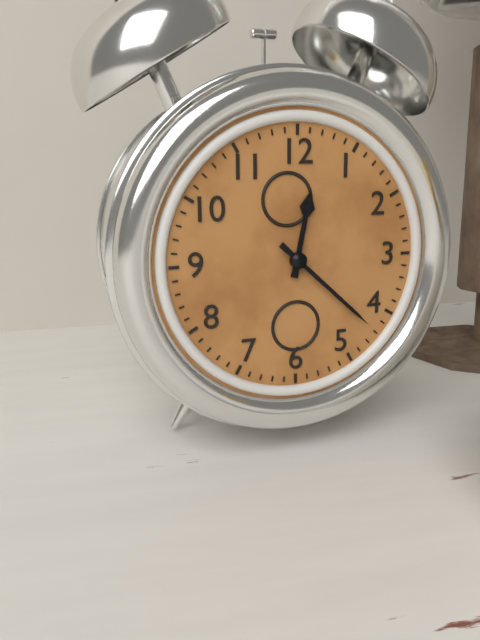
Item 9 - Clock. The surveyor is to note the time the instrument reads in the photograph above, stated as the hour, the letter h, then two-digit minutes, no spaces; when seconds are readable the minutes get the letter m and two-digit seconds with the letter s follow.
12h22
